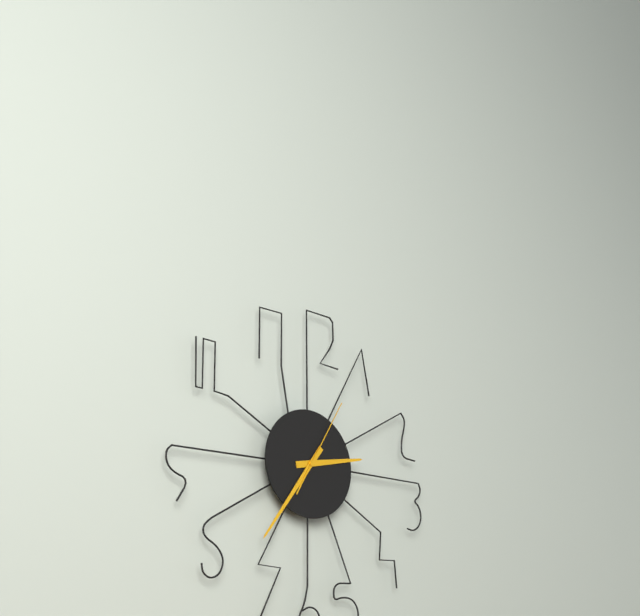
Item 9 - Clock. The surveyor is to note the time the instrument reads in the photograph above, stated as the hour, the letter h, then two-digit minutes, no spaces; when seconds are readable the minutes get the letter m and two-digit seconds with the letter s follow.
2h36m05s
